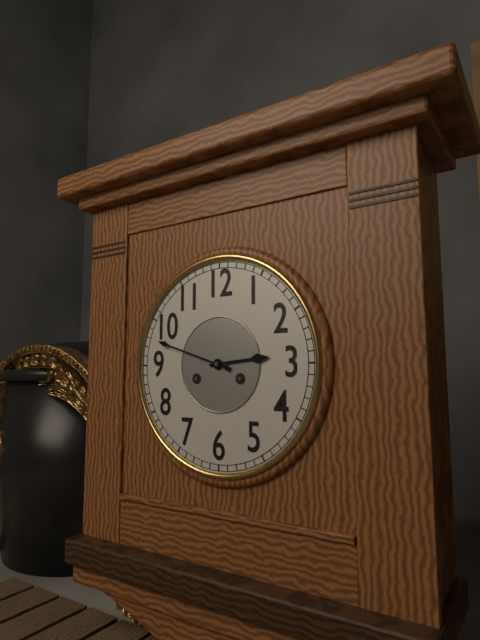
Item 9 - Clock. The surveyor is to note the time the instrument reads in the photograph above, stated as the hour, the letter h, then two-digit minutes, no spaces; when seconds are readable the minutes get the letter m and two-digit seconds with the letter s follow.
2h48
